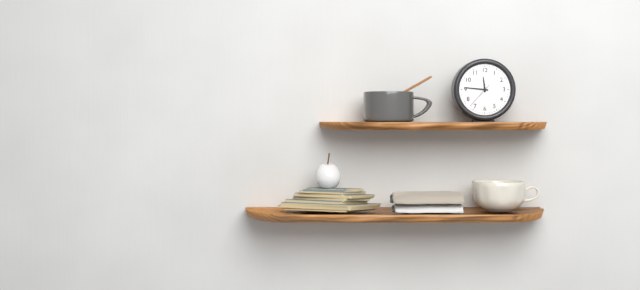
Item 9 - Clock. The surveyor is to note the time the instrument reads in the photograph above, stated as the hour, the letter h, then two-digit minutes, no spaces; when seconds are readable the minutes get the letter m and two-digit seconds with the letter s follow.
11h46
